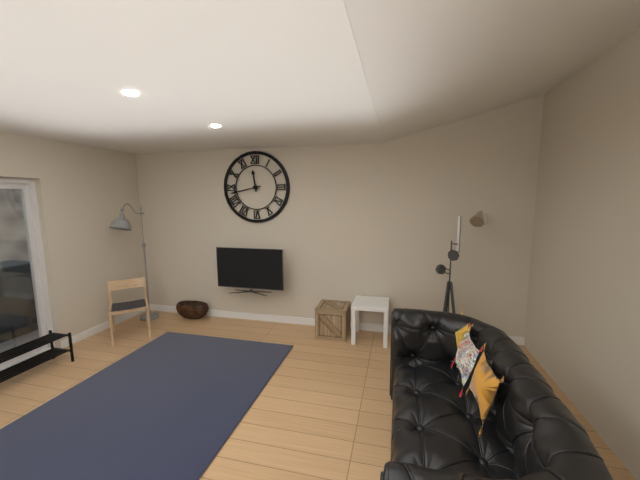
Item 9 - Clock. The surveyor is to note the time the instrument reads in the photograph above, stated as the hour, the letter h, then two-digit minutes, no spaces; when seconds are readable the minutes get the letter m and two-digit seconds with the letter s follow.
11h43
